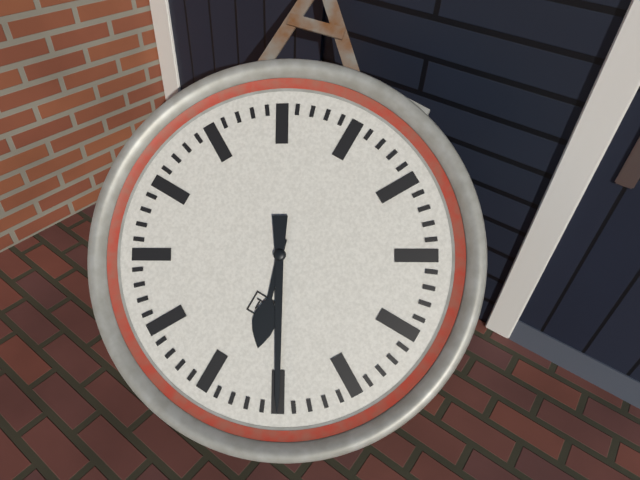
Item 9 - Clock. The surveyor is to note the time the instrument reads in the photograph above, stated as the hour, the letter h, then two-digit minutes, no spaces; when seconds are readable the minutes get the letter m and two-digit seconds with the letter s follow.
5h25
